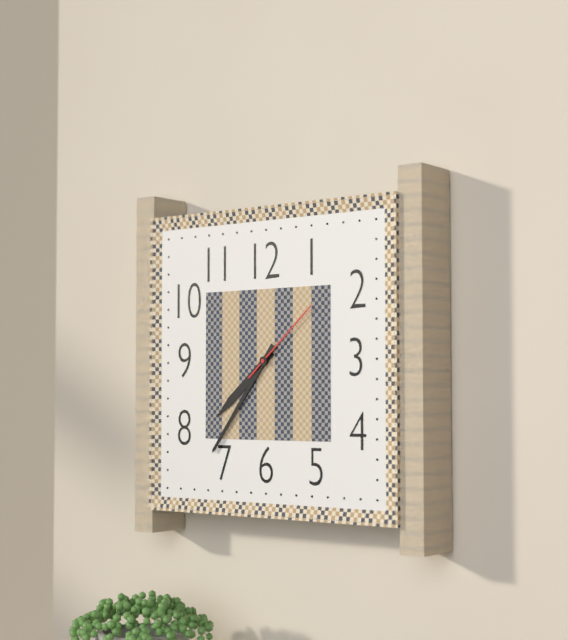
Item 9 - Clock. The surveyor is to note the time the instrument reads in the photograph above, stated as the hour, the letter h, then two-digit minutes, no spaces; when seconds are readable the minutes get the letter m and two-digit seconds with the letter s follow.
7h36m08s
